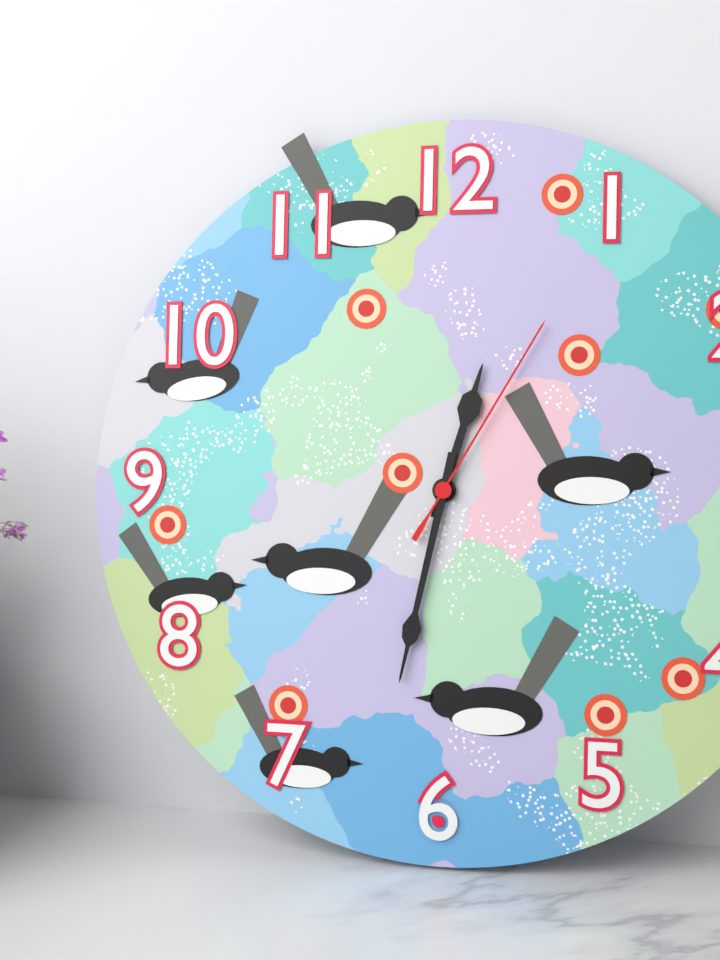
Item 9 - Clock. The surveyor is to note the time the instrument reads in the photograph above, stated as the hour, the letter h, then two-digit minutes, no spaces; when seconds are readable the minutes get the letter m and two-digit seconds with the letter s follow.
12h32m05s
